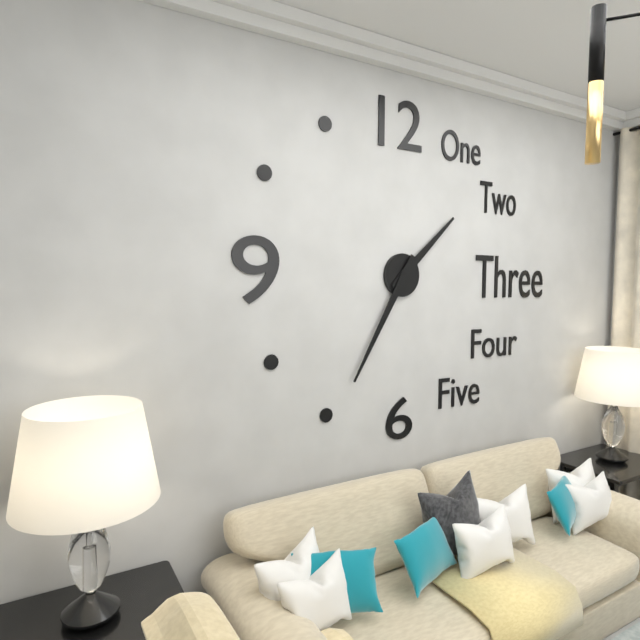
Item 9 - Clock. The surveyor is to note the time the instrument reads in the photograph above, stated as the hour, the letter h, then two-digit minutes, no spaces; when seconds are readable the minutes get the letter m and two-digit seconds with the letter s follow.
1h35
